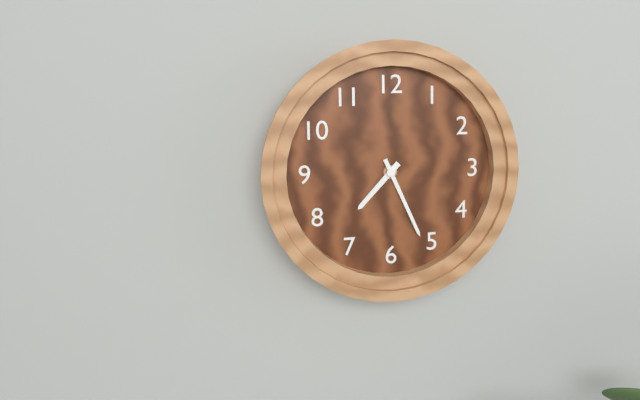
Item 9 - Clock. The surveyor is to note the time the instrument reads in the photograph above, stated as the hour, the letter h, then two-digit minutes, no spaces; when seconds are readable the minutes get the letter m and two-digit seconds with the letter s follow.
7h26
